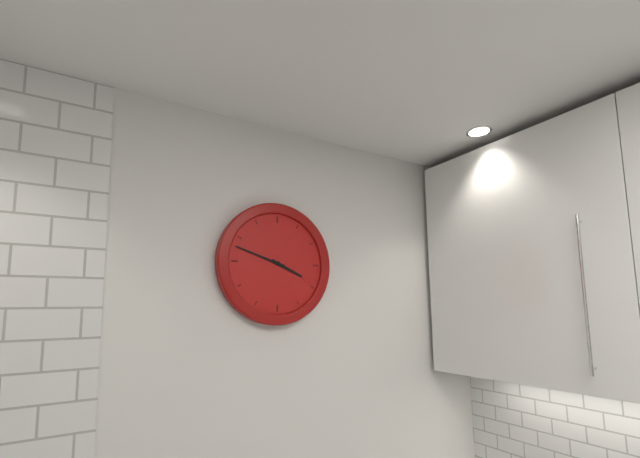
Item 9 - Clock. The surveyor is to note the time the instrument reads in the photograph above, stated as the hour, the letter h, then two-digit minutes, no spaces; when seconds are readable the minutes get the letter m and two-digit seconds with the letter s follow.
3h48
